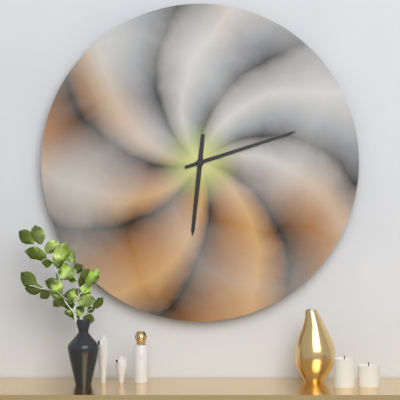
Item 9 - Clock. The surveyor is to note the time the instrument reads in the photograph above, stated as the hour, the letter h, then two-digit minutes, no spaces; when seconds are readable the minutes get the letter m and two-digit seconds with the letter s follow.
6h12
